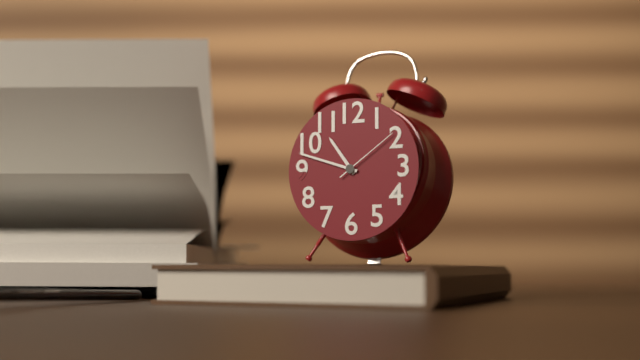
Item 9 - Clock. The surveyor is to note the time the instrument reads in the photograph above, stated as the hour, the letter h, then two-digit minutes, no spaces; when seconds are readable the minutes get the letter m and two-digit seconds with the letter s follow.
10h48m09s
